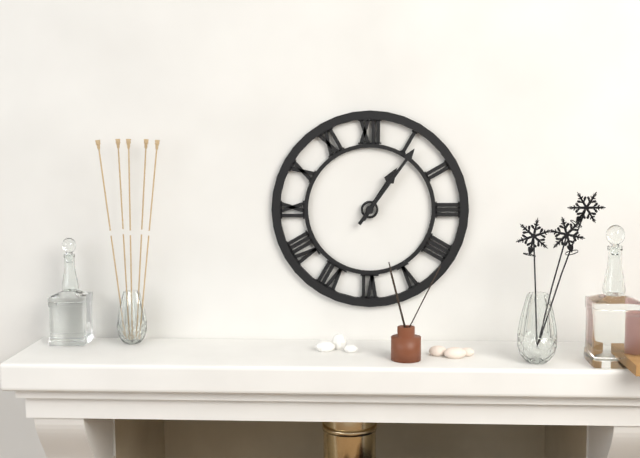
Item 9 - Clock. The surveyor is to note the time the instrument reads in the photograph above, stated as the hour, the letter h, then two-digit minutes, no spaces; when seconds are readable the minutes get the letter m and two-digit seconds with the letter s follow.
1h06
